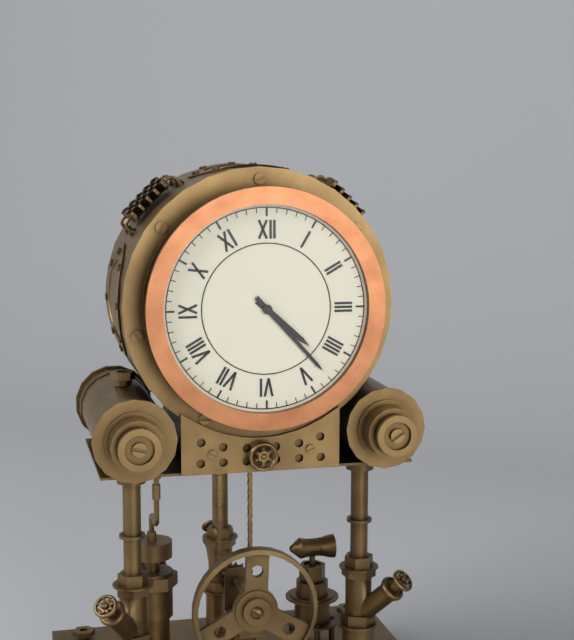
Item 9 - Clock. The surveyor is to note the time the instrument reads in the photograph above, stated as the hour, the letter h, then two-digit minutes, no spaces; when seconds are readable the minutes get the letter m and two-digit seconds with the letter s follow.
4h23
